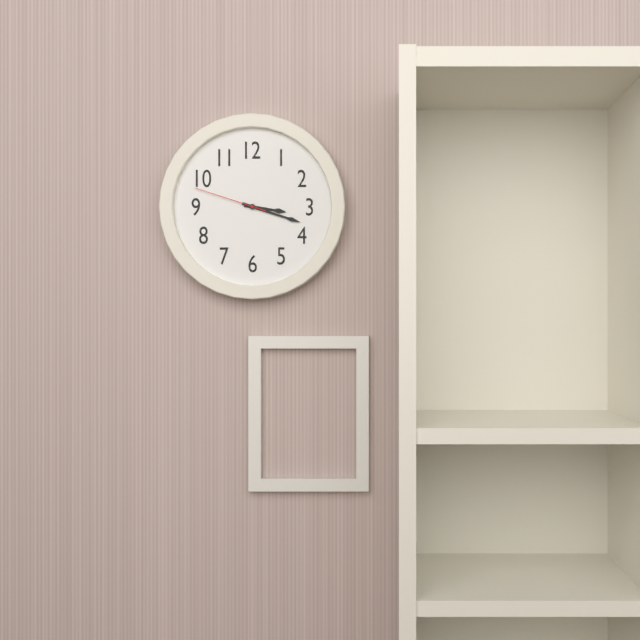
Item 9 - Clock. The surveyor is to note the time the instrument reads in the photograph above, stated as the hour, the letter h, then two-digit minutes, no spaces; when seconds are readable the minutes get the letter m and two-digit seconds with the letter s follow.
3h18m48s
